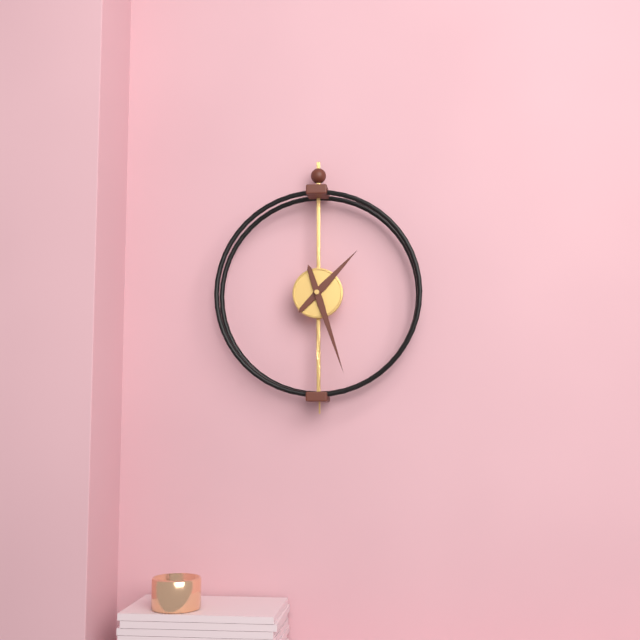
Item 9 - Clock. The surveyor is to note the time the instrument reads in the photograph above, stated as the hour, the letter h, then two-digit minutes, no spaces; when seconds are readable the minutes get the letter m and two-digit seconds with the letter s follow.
1h27
